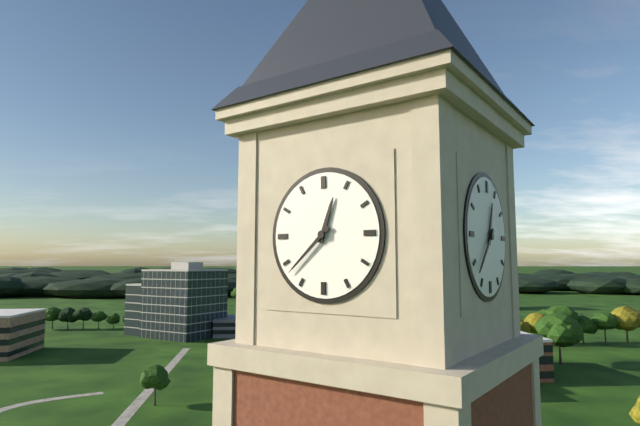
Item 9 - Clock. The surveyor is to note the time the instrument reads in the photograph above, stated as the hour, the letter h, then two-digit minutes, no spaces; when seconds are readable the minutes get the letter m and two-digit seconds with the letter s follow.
12h38
